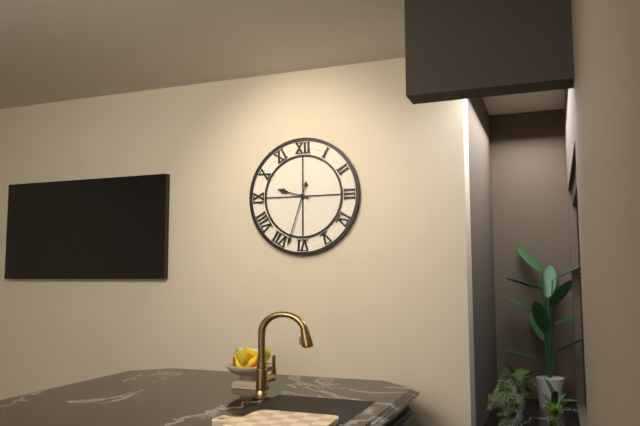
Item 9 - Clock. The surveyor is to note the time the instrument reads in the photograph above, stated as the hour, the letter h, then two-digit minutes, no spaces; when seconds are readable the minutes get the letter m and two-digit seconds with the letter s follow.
9h33
